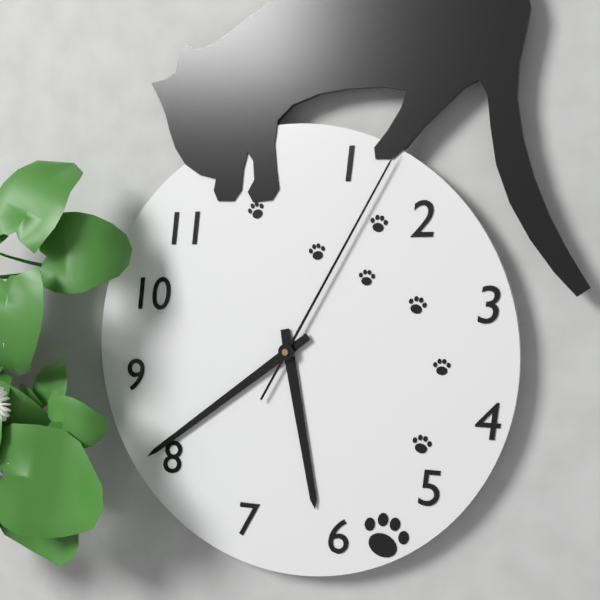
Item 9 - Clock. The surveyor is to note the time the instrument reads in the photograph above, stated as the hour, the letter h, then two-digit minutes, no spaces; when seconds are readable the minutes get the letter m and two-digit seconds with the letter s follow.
5h39m05s
